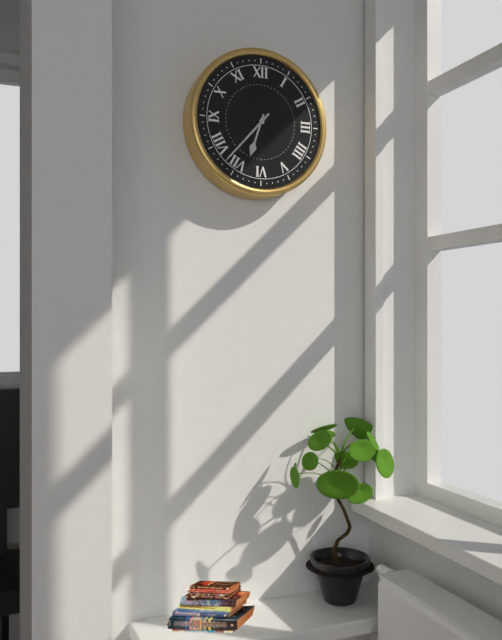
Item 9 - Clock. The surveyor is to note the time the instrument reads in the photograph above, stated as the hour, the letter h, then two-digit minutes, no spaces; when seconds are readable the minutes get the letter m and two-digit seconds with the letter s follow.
6h37
